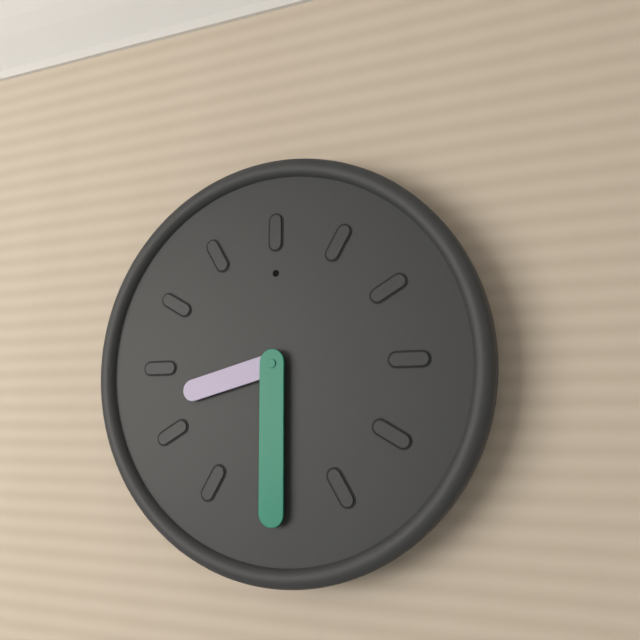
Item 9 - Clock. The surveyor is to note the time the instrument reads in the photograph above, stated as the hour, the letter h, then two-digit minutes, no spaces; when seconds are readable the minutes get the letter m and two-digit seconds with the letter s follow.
8h30
